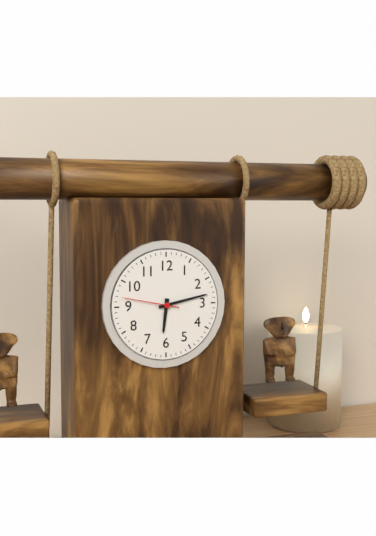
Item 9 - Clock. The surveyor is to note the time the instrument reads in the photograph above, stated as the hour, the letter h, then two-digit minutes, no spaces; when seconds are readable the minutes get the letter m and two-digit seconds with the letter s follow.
6h13m47s
